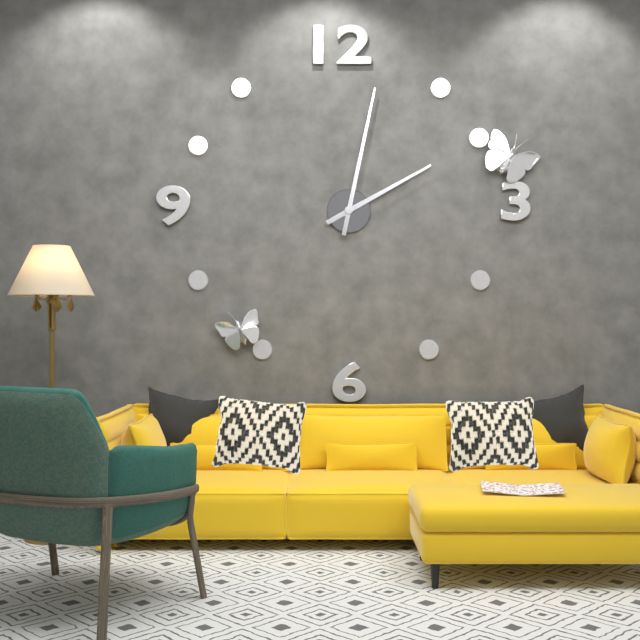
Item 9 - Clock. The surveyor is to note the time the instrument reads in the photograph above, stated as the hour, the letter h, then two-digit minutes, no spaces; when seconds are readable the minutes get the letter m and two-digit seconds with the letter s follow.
2h02
